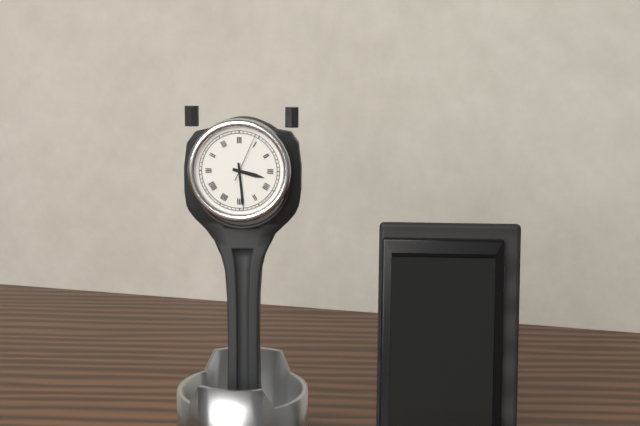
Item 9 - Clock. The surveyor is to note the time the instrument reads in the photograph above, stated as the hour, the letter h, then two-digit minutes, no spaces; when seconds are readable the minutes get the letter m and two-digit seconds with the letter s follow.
3h29
